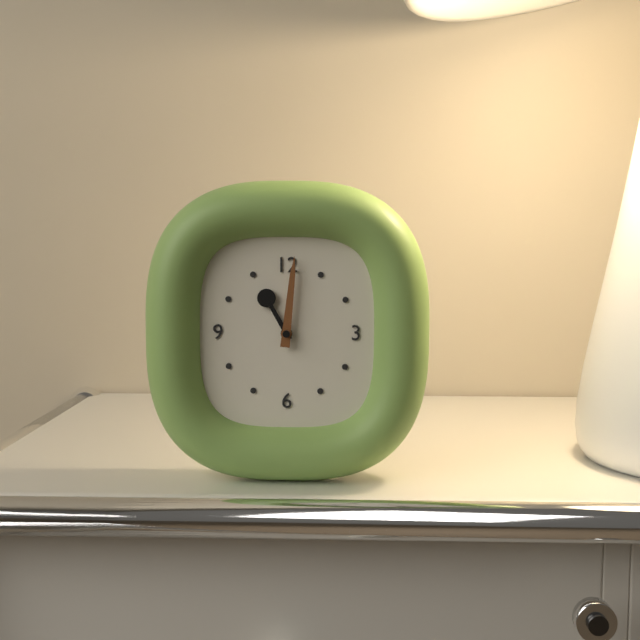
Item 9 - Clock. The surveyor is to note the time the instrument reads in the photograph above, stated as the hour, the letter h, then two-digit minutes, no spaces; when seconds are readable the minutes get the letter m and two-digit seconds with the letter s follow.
11h01
